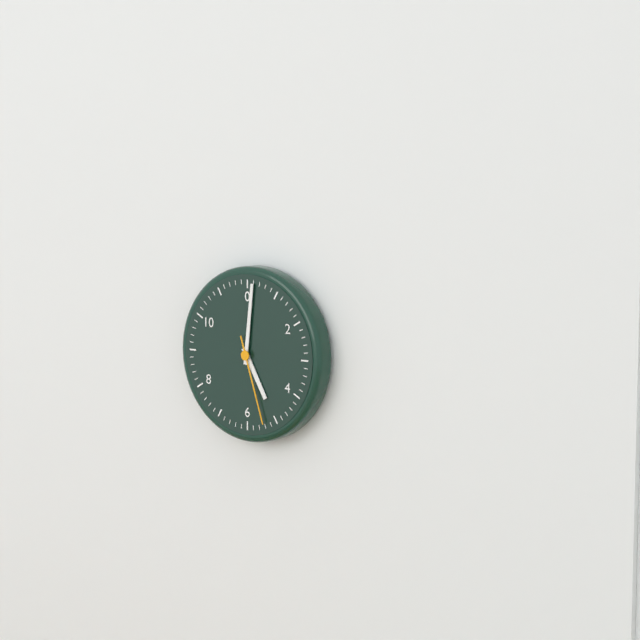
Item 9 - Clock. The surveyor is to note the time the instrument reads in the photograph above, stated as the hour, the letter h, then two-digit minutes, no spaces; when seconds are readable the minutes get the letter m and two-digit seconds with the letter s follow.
5h01m27s
